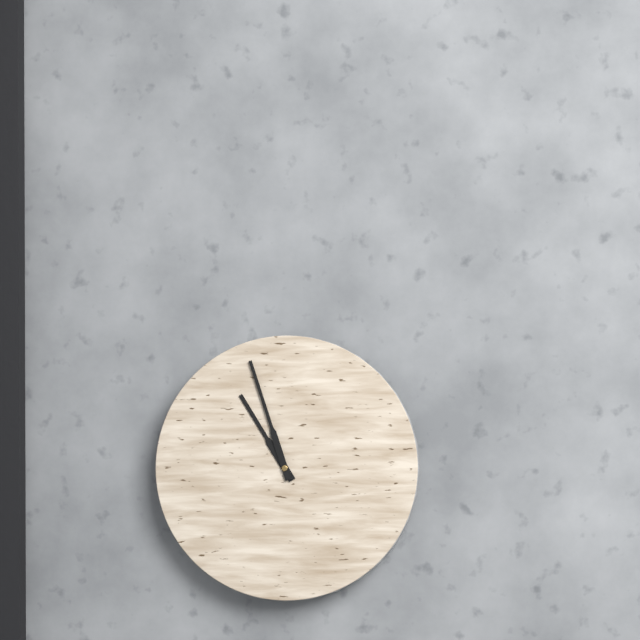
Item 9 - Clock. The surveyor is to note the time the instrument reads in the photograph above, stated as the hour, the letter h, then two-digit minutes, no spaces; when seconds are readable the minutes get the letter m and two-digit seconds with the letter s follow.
10h57
